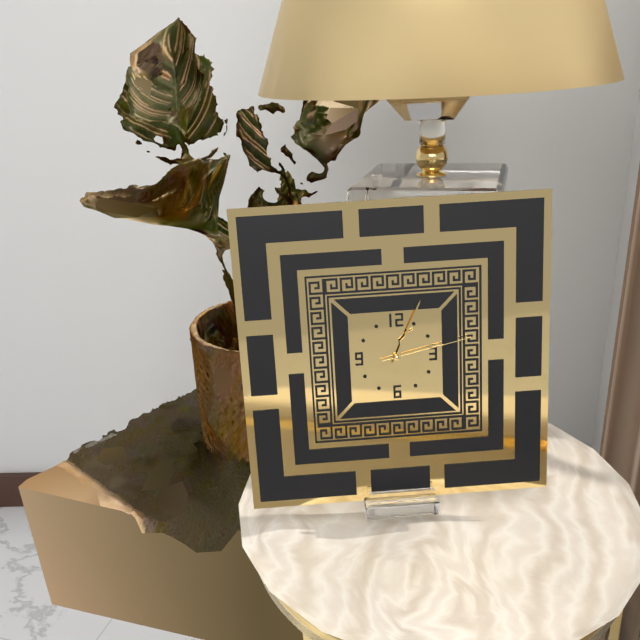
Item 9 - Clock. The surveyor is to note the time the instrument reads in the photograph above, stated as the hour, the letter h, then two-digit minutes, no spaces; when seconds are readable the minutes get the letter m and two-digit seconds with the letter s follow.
1h04m13s
